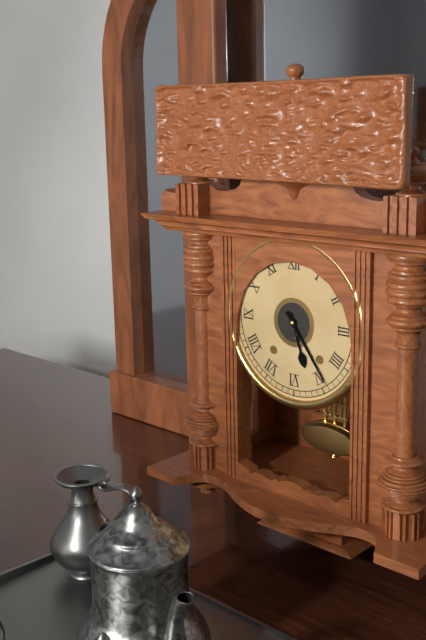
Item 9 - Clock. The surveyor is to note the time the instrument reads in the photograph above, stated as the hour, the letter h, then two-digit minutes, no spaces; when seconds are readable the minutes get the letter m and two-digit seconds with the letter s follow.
5h24
